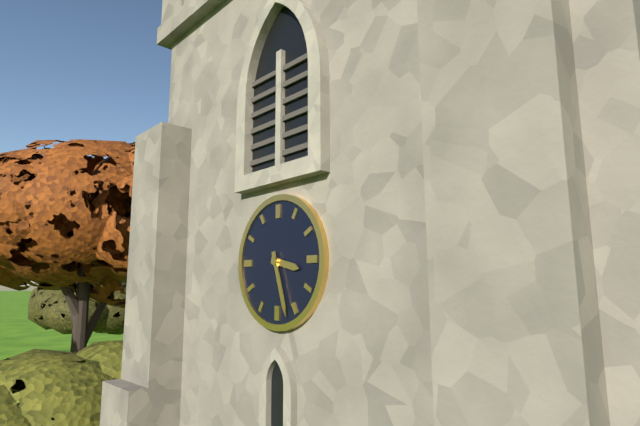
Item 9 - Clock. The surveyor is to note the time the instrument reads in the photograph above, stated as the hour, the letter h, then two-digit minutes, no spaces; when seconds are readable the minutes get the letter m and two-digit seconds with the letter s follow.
3h27
